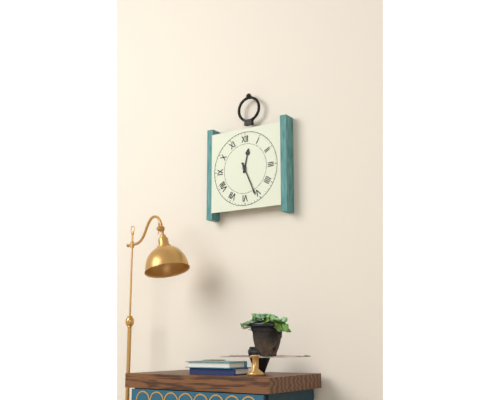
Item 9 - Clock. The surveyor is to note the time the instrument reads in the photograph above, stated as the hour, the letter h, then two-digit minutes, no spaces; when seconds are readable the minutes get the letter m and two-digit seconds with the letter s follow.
12h26
